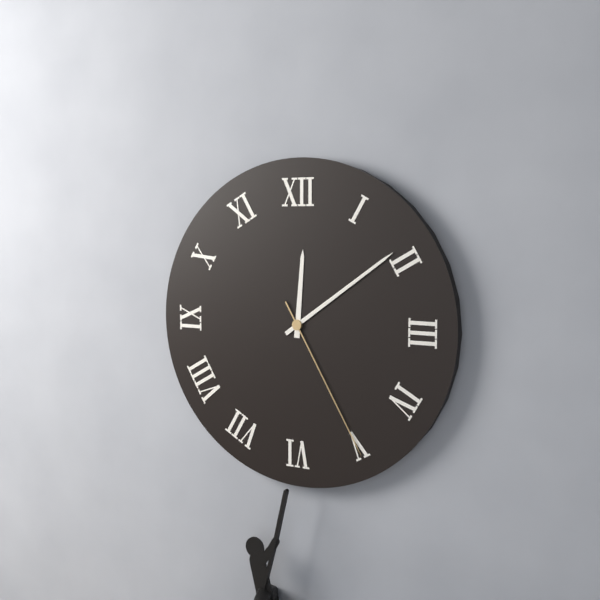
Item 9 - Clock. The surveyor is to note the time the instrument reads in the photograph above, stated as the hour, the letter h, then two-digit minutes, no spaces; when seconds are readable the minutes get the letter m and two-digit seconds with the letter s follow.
12h09m25s
